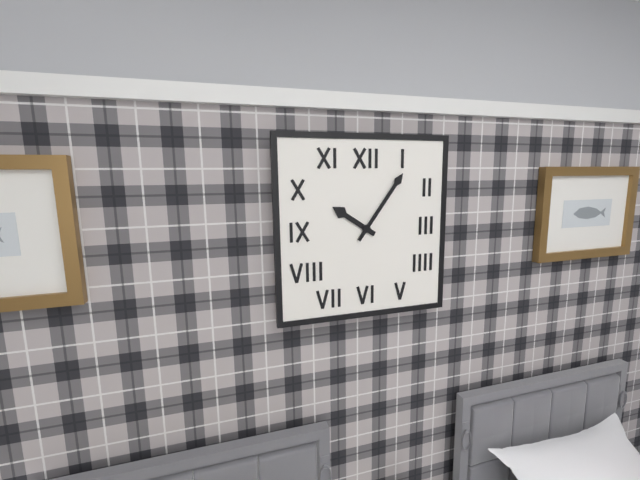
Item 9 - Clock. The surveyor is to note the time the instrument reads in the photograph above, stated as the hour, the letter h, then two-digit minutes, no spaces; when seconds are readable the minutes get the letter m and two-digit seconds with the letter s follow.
10h06
